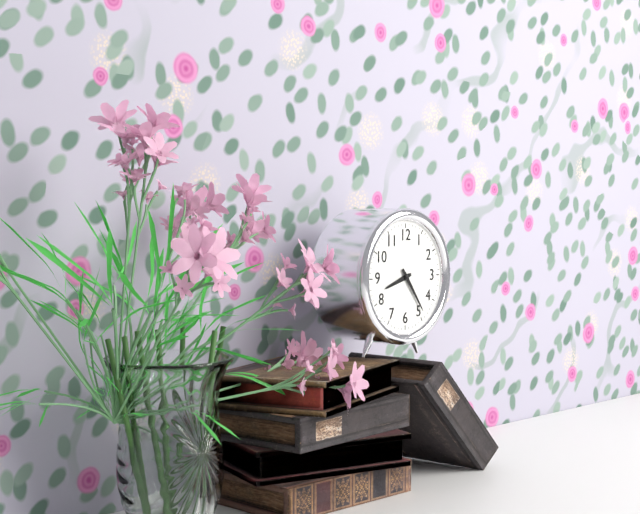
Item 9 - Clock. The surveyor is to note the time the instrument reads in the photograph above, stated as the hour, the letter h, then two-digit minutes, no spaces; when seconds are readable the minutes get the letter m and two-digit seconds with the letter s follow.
8h24
